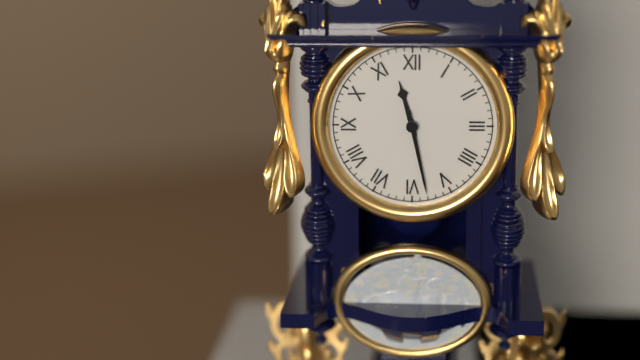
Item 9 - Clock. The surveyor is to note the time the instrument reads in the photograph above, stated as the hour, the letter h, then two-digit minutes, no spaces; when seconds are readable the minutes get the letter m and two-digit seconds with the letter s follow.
11h28
